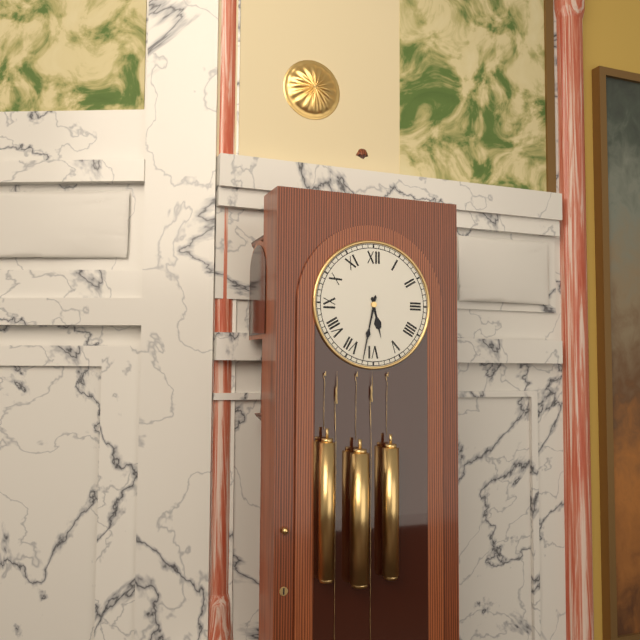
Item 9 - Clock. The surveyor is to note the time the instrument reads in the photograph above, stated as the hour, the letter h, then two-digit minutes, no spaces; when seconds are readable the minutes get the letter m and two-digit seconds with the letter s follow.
5h32
